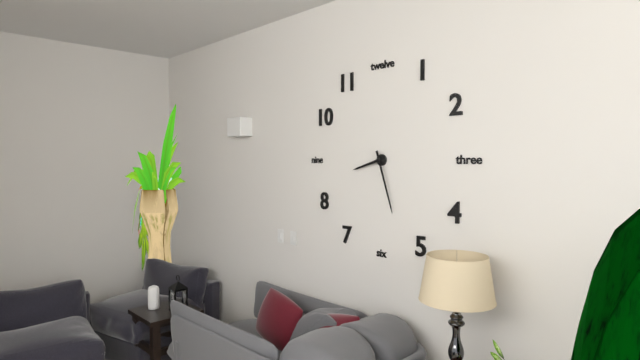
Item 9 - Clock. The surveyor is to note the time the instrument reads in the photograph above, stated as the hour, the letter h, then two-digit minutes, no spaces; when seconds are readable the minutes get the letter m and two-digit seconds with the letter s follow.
8h27
